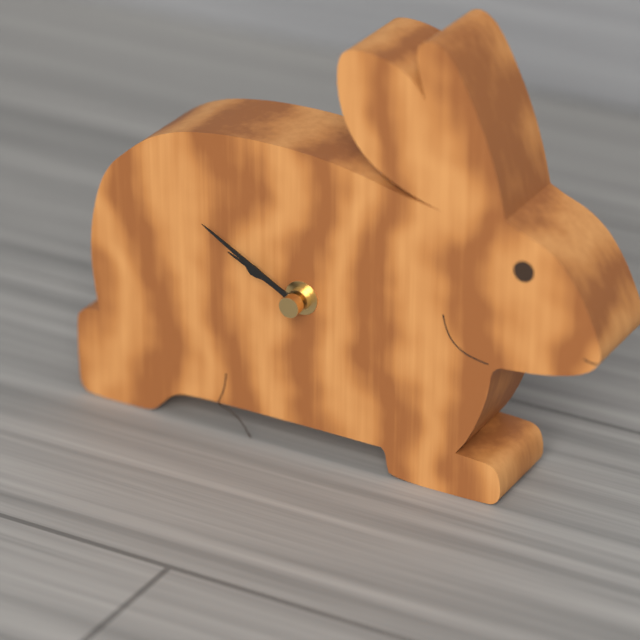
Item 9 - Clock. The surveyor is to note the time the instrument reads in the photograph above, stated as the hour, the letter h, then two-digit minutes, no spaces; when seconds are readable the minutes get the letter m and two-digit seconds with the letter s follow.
9h50
